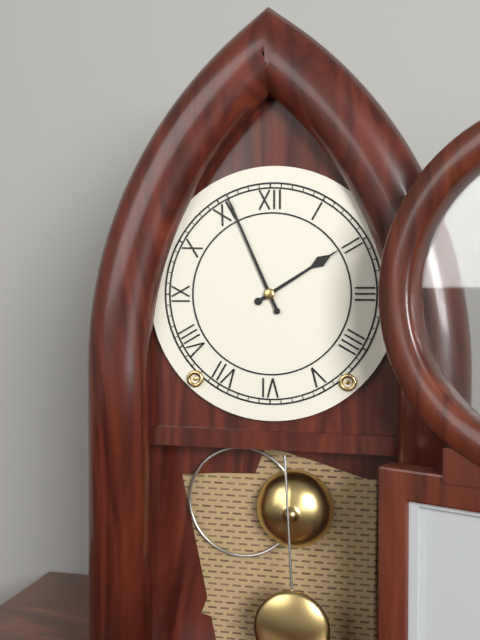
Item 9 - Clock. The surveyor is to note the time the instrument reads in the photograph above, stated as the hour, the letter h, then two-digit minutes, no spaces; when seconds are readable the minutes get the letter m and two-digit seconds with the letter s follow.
1h56
